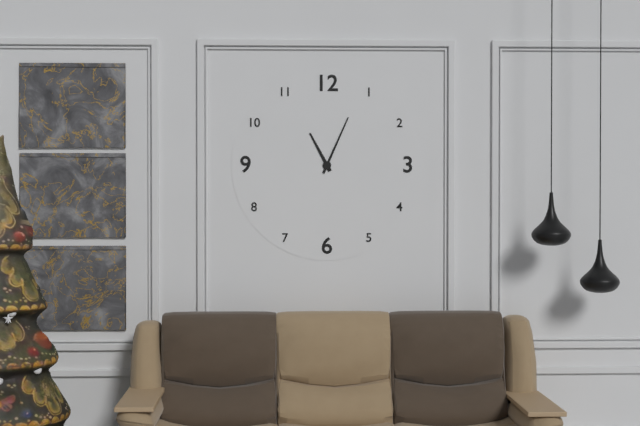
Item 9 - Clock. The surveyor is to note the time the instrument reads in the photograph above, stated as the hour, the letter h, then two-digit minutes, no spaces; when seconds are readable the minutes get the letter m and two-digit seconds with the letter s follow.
11h04
